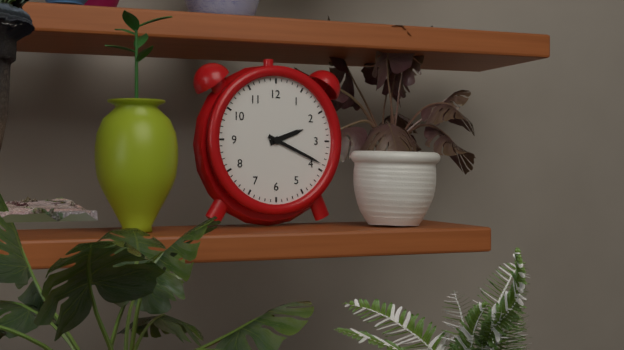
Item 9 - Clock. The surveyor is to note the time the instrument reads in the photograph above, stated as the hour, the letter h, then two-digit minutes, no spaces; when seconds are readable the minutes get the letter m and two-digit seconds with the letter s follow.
2h19
